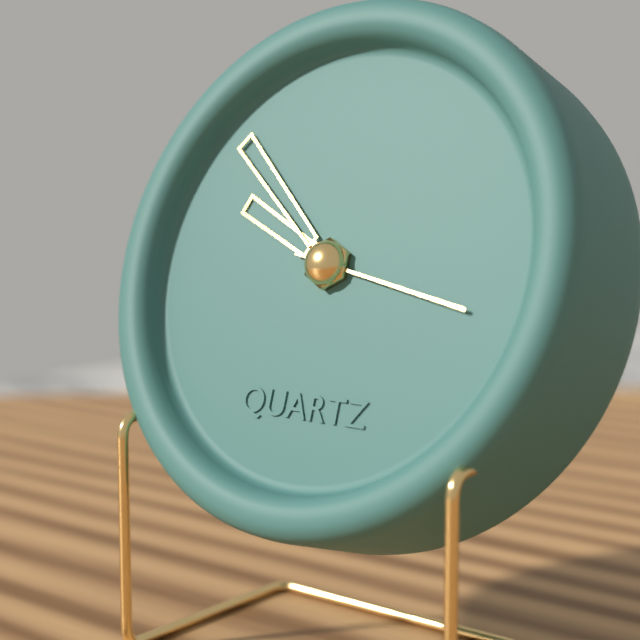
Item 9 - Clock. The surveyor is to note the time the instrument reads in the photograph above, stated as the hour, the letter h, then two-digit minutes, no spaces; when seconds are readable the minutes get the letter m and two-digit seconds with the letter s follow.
9h52m17s
